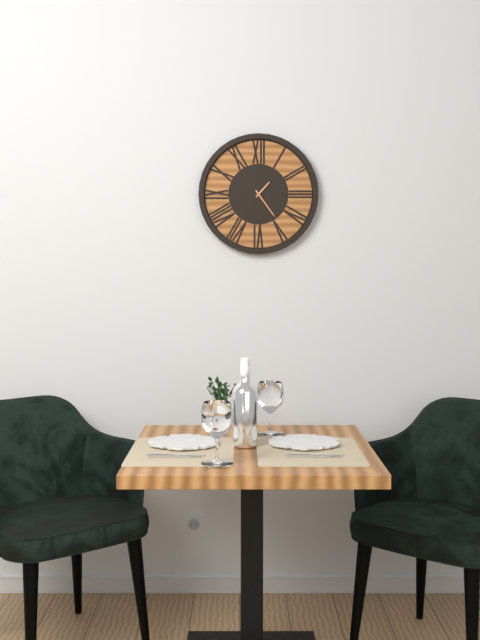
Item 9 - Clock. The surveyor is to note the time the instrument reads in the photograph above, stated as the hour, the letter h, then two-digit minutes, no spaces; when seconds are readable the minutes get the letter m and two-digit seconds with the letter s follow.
1h24
